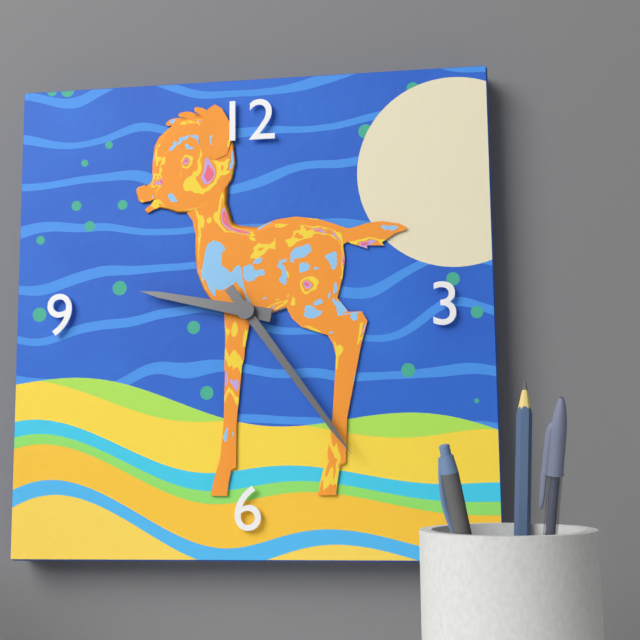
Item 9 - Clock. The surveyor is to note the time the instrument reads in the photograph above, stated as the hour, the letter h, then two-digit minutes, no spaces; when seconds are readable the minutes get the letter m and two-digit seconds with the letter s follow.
9h24
